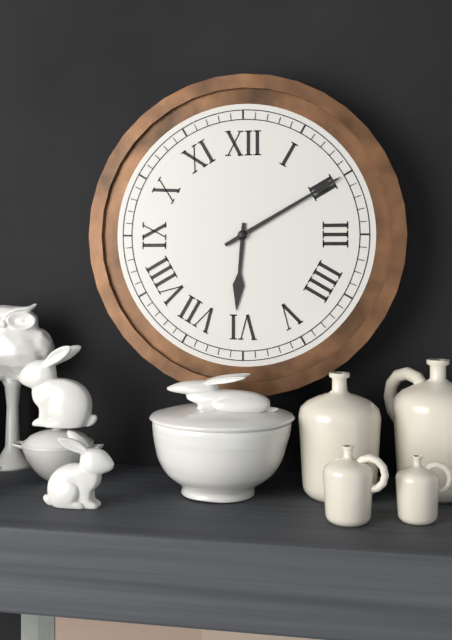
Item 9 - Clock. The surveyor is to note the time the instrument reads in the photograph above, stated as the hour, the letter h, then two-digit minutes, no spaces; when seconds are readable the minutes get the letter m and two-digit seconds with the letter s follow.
6h10
